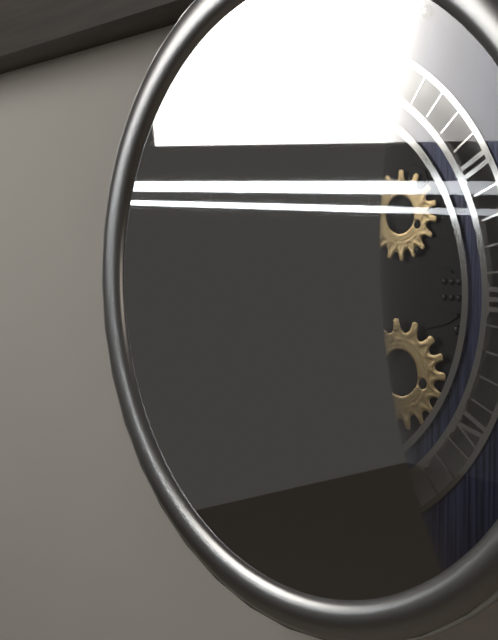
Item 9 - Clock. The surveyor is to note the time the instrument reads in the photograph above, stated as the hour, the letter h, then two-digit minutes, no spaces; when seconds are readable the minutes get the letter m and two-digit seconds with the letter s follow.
12h02
